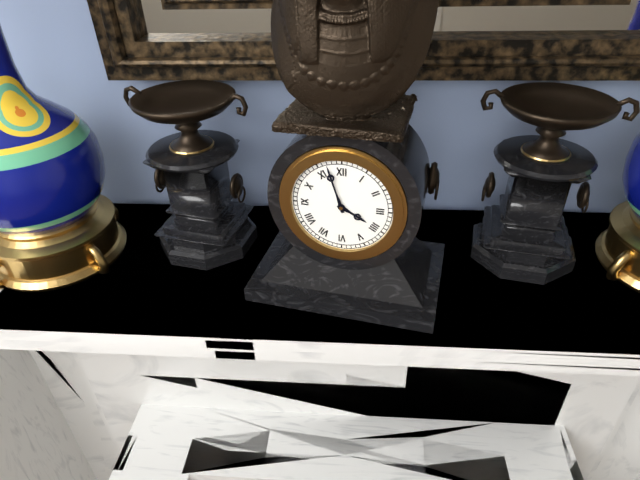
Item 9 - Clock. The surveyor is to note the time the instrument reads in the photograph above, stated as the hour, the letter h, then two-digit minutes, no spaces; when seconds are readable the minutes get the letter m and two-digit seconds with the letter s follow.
3h57
